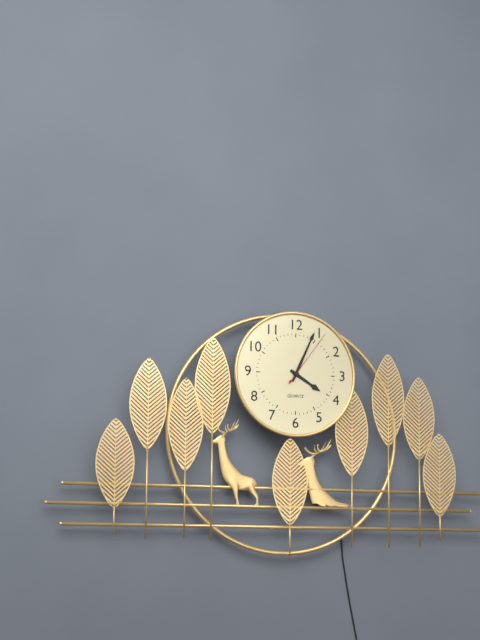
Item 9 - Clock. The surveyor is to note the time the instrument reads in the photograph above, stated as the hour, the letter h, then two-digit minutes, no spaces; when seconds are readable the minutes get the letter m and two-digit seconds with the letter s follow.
4h04m06s
